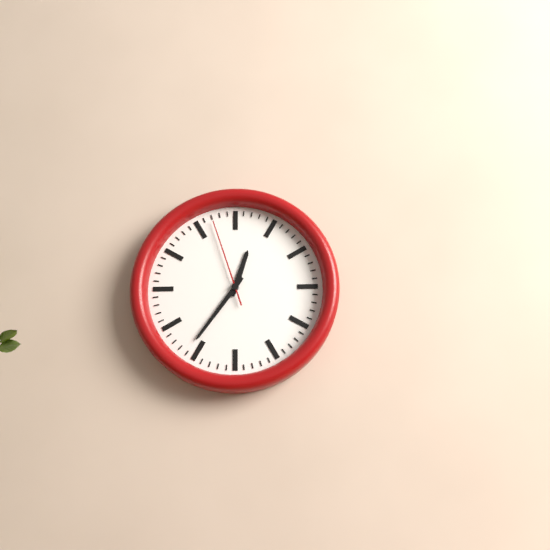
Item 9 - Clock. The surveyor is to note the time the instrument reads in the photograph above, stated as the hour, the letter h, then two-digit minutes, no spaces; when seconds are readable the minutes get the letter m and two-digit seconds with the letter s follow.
12h36m57s
